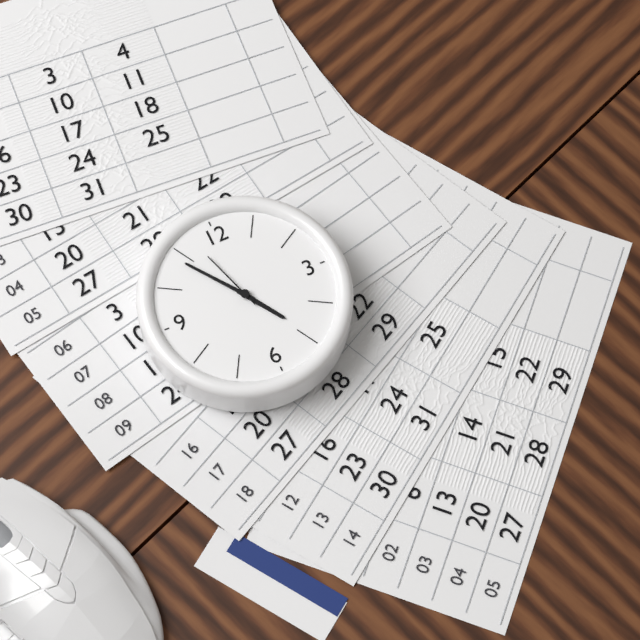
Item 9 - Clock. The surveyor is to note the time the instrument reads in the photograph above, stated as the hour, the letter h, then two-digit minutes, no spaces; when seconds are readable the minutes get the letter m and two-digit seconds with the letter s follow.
4h54m57s
